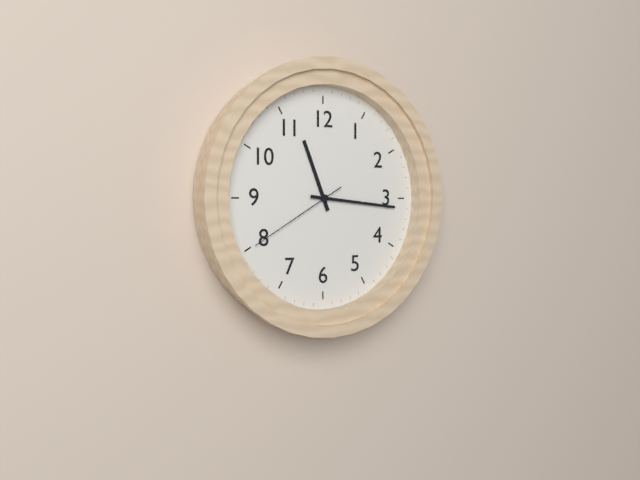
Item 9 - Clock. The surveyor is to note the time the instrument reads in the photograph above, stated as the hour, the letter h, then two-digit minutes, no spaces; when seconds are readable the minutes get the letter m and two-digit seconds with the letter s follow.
11h16m40s
